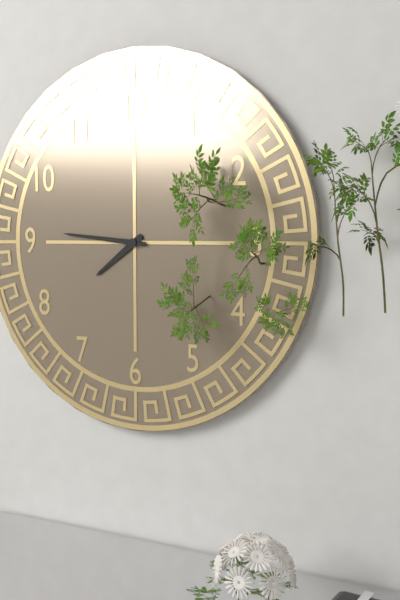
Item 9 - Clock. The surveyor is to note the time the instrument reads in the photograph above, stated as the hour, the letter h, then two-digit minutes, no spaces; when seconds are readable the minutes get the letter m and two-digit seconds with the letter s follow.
7h46
